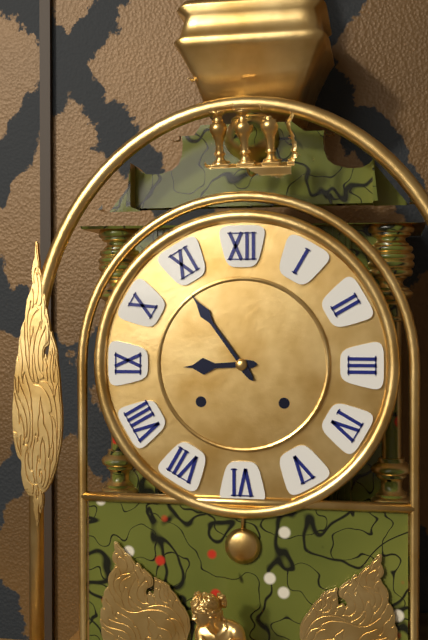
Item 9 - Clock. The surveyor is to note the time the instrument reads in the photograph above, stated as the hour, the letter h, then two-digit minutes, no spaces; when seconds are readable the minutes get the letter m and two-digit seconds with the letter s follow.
8h54
